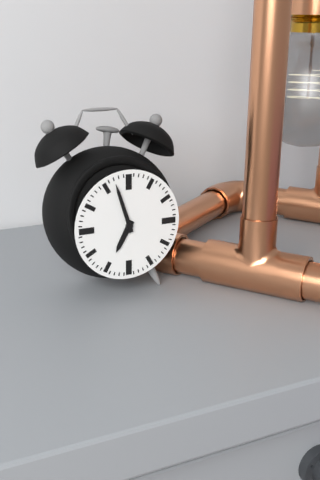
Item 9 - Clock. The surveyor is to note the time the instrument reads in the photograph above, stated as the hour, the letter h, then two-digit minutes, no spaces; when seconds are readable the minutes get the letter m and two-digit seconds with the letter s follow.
6h57
